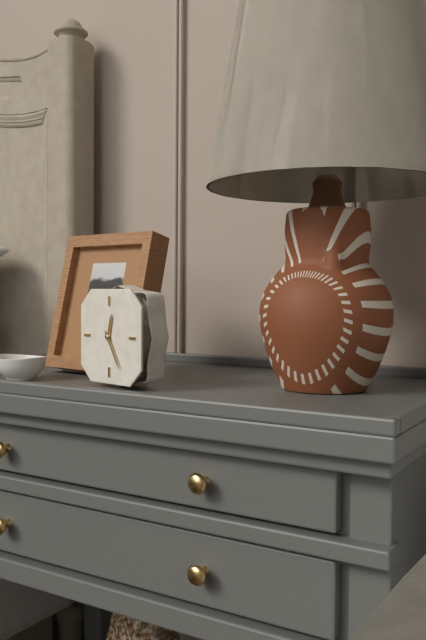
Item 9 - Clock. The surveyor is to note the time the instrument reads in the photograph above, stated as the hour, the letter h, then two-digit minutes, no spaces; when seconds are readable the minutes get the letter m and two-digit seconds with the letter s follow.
12h25
